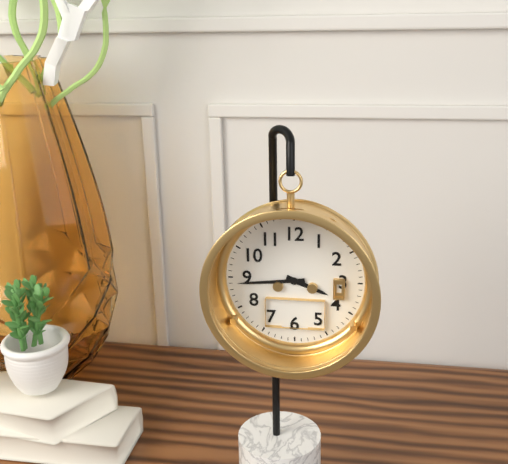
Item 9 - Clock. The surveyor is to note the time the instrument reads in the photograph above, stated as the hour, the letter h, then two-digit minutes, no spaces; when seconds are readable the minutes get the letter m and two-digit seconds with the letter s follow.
3h44
